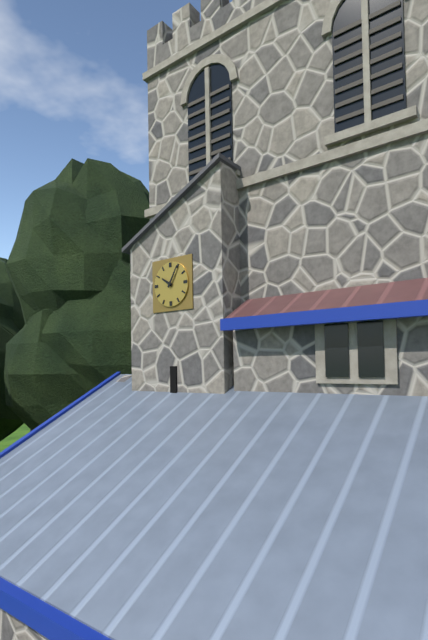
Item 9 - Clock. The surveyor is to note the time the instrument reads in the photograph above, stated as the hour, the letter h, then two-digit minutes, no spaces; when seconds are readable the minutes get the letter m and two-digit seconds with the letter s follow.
10h05
